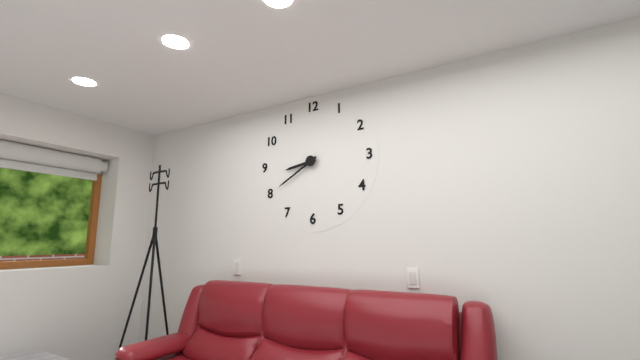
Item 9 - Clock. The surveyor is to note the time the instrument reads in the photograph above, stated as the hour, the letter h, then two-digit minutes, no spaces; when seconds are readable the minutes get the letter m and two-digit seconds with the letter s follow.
8h40
